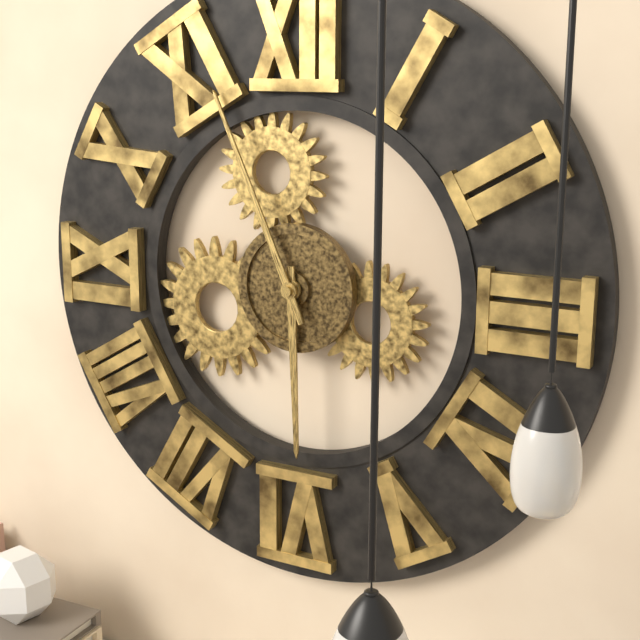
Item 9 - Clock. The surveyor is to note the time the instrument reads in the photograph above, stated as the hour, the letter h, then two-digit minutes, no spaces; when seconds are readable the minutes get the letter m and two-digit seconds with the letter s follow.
5h56
